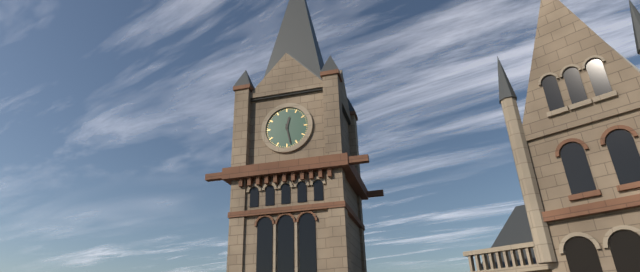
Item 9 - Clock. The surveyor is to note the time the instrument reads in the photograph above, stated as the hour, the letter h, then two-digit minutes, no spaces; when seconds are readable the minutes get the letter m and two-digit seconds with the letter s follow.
12h28
